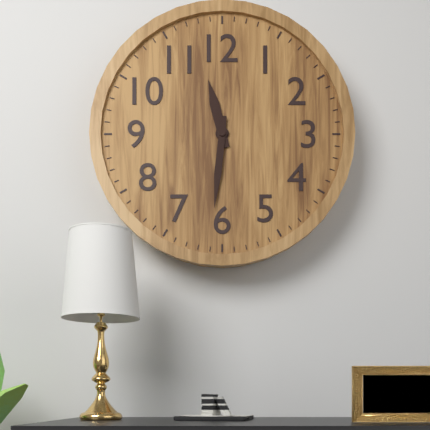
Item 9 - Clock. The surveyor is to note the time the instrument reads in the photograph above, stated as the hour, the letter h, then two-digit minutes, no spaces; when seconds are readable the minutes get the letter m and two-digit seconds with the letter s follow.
11h31
